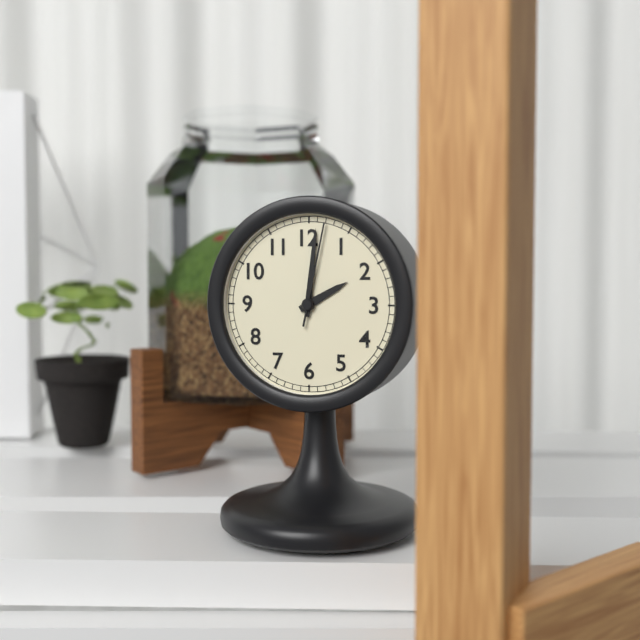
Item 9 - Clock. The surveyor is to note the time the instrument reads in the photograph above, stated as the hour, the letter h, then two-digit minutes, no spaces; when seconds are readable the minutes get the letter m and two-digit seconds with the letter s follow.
2h01m02s
